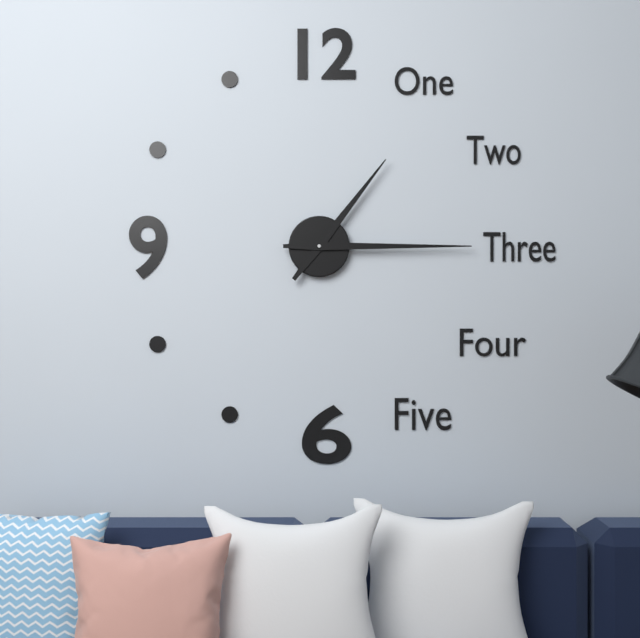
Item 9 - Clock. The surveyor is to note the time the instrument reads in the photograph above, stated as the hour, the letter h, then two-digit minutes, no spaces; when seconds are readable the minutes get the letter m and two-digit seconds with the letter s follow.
1h15
